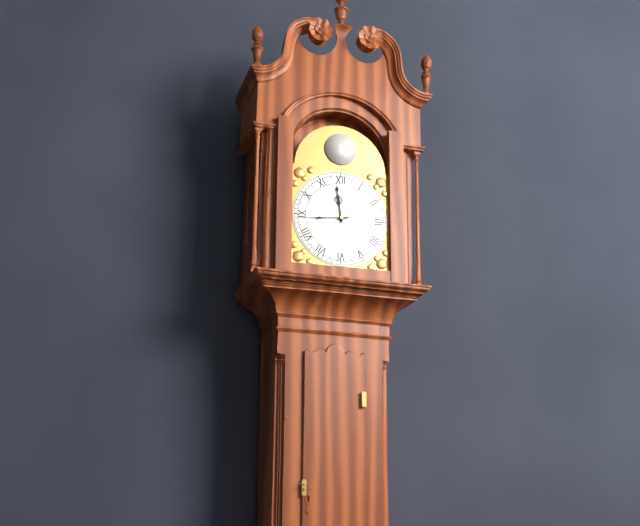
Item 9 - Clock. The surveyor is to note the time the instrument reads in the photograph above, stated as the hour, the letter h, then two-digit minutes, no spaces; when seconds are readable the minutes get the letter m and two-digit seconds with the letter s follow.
11h44
